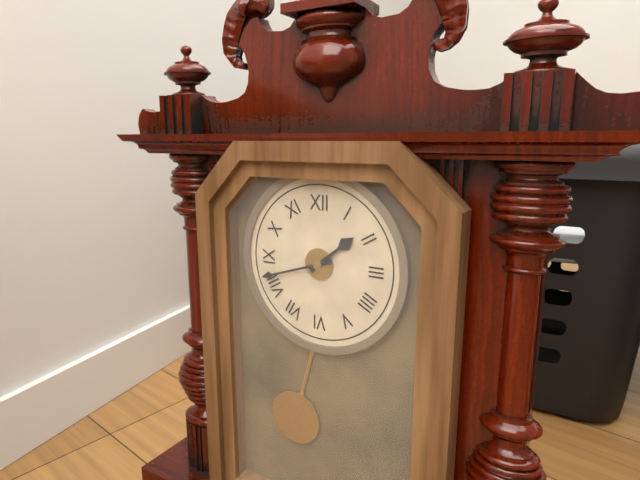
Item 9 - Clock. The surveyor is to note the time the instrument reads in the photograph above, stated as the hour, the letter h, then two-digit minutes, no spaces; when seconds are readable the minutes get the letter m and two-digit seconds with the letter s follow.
1h42
